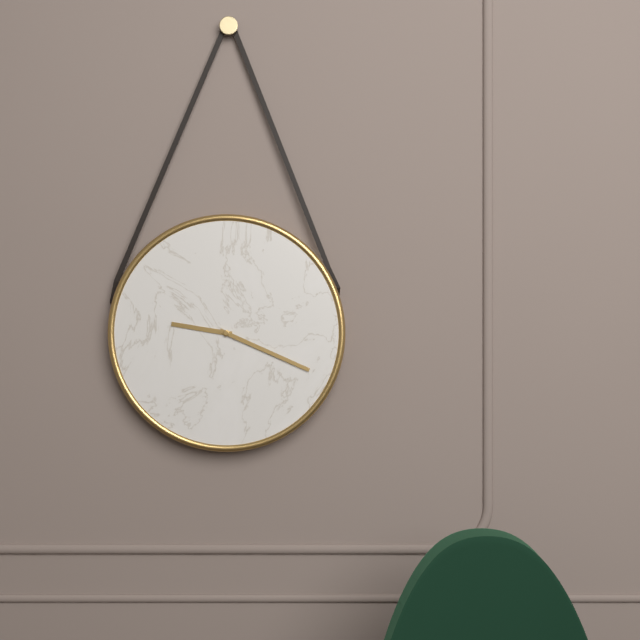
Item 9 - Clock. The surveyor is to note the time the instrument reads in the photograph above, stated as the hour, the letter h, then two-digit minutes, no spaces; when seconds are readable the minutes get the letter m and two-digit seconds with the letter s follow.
9h19
